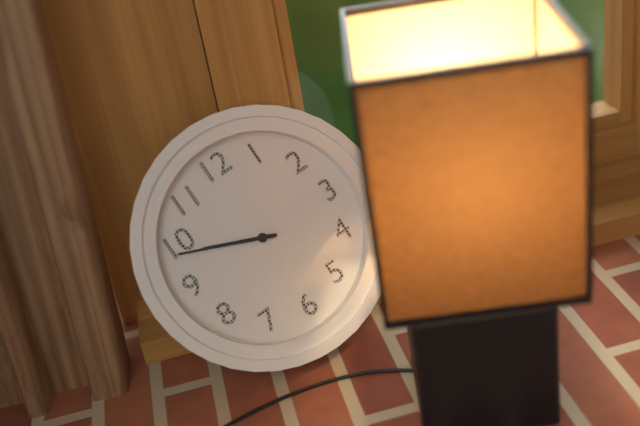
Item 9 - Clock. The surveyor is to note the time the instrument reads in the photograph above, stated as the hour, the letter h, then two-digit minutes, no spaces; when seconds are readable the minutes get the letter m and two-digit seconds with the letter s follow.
9h49
